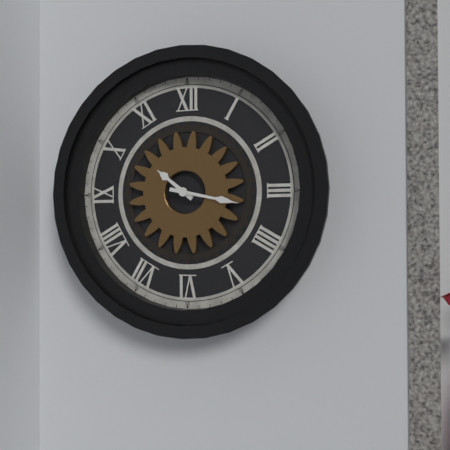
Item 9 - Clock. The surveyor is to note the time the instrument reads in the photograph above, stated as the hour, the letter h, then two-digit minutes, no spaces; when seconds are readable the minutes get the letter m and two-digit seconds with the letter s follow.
10h17
